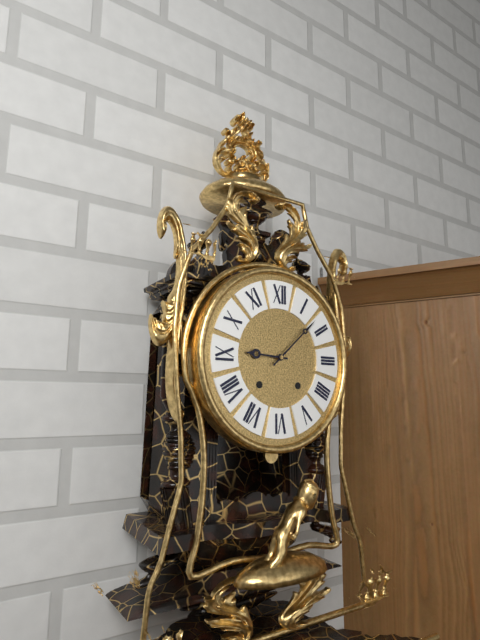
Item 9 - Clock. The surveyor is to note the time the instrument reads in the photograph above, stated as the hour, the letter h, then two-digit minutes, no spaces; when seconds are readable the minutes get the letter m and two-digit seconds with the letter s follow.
9h08
